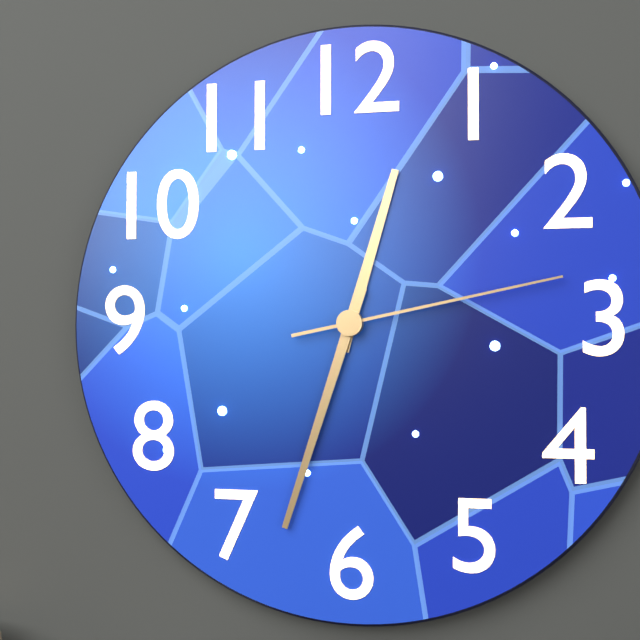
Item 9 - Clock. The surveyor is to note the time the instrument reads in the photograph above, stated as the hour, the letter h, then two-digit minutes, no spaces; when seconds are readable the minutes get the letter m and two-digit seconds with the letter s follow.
12h33m13s
